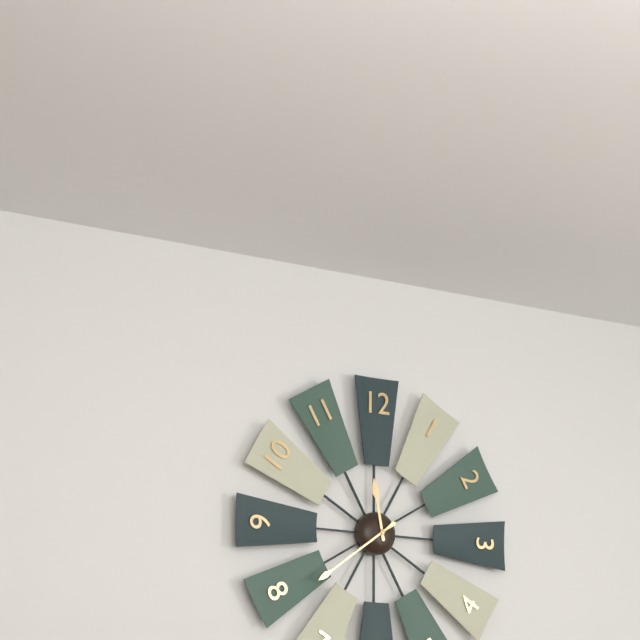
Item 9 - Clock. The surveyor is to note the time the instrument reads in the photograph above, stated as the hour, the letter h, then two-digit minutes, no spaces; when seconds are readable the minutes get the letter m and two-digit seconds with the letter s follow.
11h39
